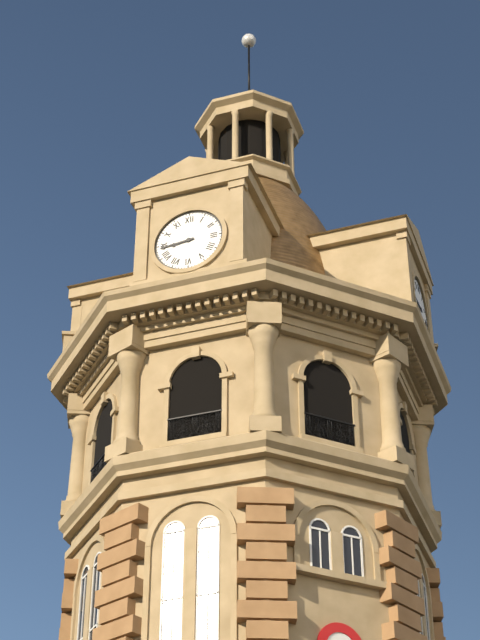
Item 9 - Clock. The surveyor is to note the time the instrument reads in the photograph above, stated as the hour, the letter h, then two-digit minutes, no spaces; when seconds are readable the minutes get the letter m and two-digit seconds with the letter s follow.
8h44
